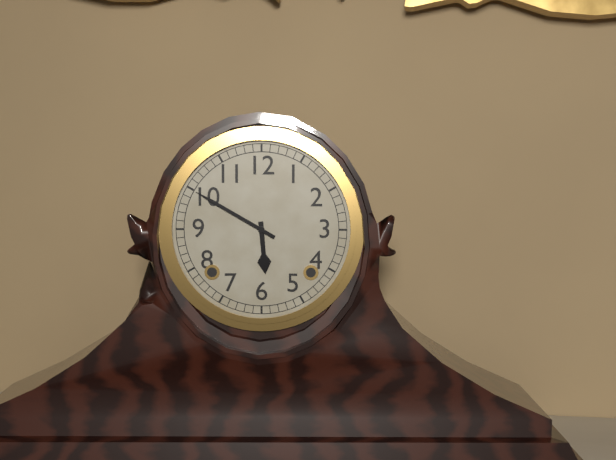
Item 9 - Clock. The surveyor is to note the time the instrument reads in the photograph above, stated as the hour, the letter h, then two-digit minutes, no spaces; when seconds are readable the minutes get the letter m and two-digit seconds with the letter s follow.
5h50
